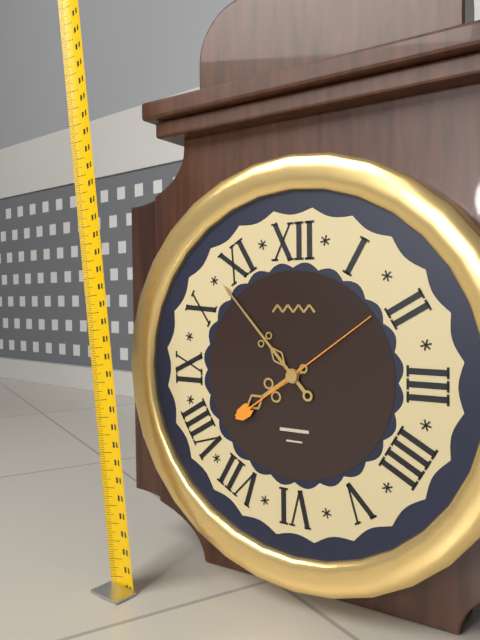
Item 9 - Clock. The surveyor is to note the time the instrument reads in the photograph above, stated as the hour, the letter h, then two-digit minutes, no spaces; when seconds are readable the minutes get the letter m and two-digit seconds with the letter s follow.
7h53m09s
